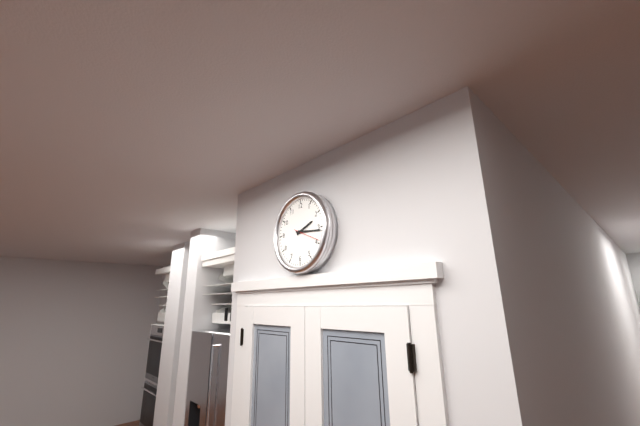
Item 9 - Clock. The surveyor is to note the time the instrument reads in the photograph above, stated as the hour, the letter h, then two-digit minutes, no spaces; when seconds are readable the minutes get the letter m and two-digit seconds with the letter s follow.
2h16
